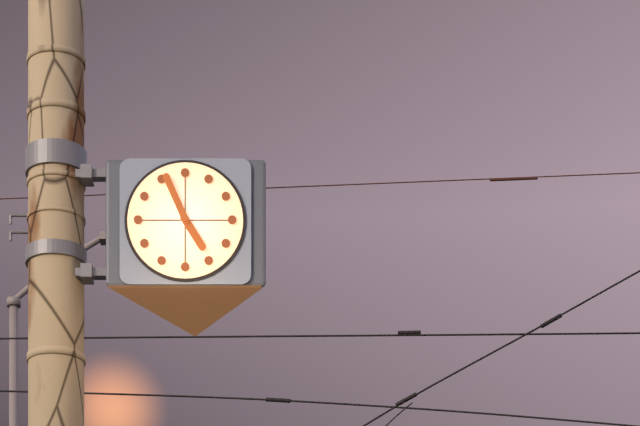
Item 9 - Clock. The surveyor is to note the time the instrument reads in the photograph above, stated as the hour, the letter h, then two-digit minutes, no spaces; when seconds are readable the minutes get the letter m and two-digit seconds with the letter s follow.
4h56
